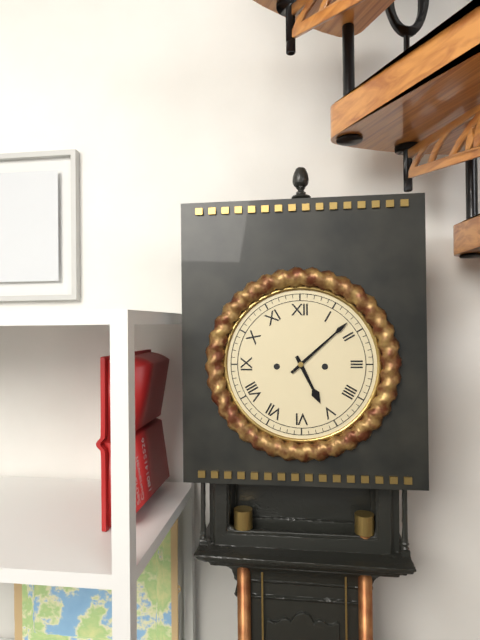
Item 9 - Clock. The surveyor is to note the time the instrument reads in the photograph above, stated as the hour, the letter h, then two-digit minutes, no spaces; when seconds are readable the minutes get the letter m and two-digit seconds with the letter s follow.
5h08
